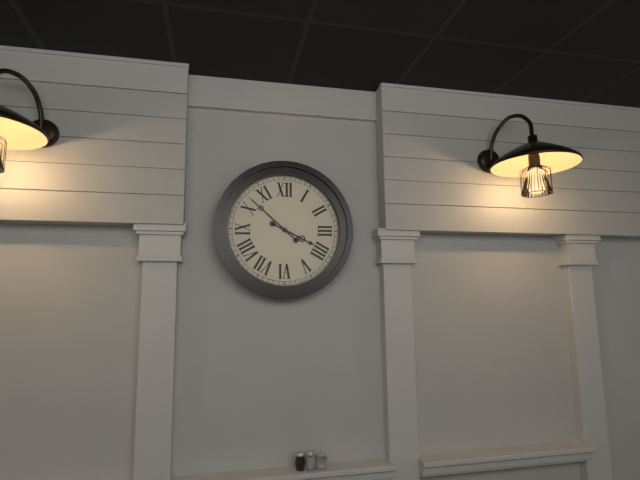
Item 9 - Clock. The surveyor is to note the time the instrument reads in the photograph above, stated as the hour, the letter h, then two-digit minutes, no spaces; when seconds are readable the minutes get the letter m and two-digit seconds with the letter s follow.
3h52
